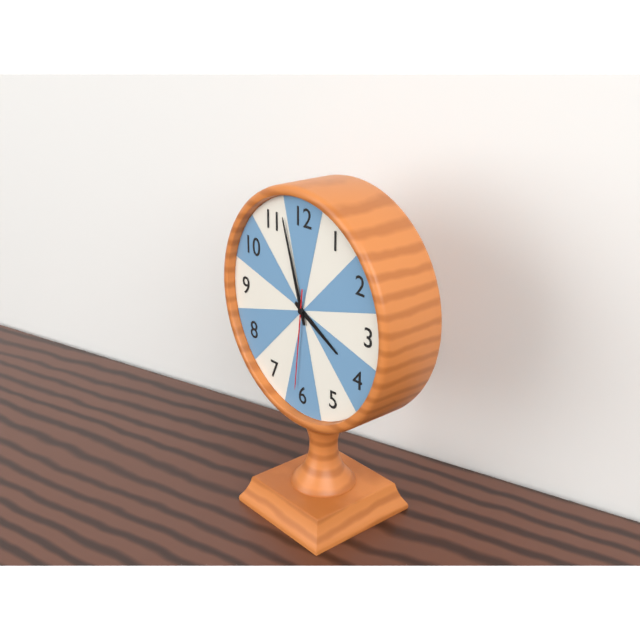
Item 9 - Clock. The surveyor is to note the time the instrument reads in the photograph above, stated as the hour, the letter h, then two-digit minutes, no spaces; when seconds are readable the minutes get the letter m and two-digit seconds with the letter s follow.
3h57m31s
